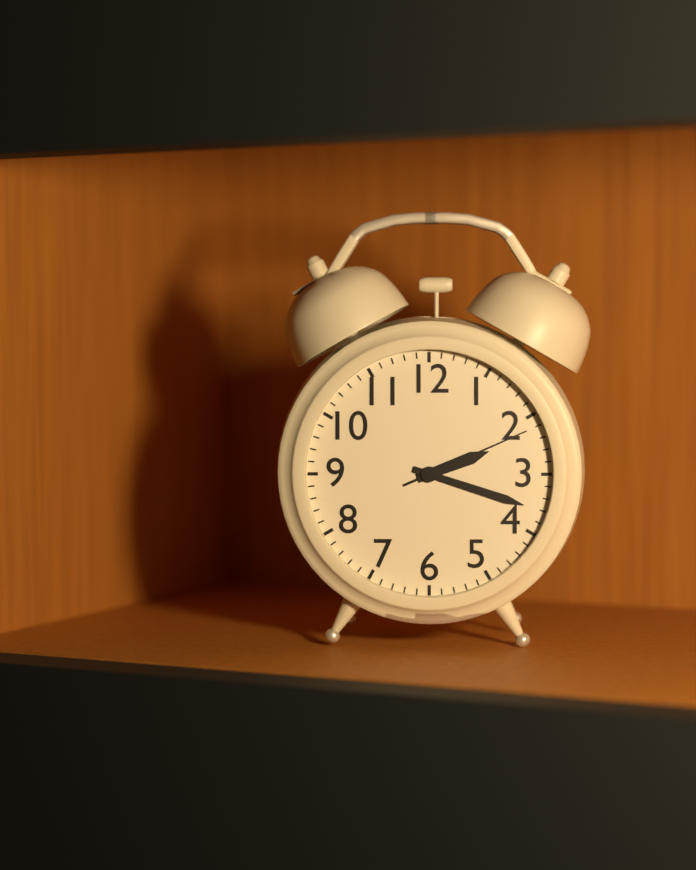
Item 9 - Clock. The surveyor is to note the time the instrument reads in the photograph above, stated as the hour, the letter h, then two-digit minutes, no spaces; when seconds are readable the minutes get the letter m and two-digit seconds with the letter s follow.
2h18m11s
